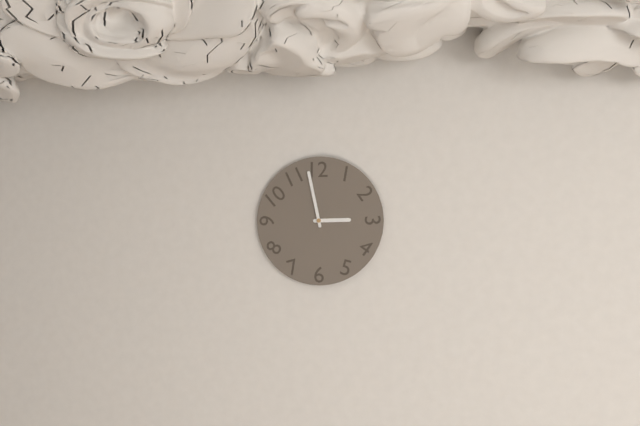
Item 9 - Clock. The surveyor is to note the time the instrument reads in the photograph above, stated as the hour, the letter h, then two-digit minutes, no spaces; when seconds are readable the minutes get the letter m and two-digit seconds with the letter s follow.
2h58
